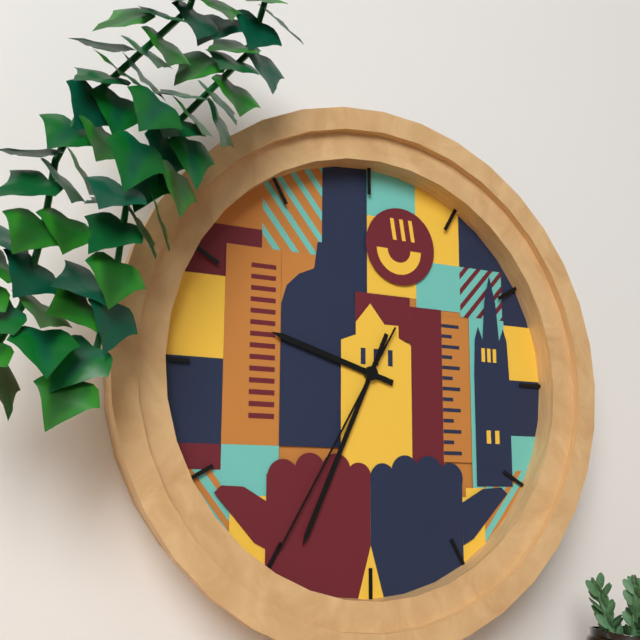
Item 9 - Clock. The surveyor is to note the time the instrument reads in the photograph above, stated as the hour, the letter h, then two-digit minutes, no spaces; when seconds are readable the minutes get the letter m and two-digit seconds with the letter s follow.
9h34m35s
